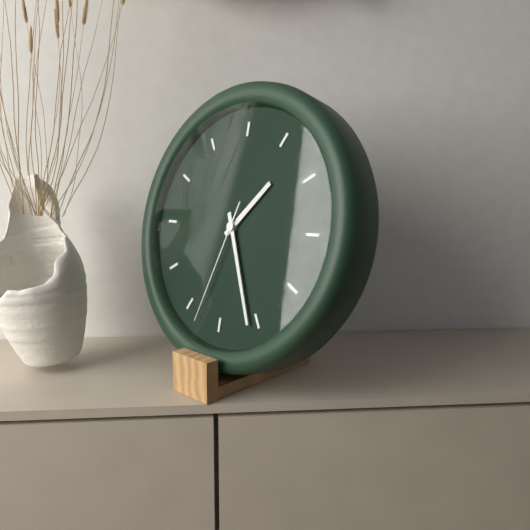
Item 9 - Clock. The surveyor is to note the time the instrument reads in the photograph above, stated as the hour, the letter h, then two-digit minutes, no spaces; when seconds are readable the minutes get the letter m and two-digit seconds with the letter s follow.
1h26m33s
